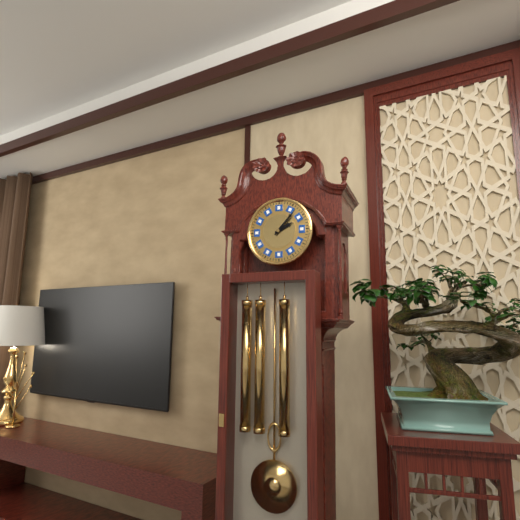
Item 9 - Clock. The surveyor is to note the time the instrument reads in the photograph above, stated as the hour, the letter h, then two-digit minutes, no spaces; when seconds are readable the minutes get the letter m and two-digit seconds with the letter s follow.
2h07
